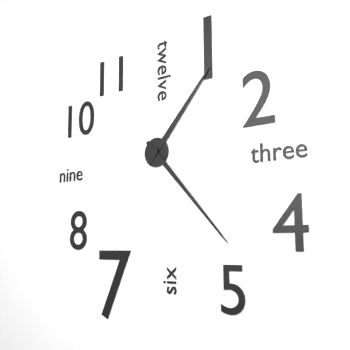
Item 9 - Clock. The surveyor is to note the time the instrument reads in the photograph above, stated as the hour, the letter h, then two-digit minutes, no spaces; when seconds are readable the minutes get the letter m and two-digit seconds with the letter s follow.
1h23
